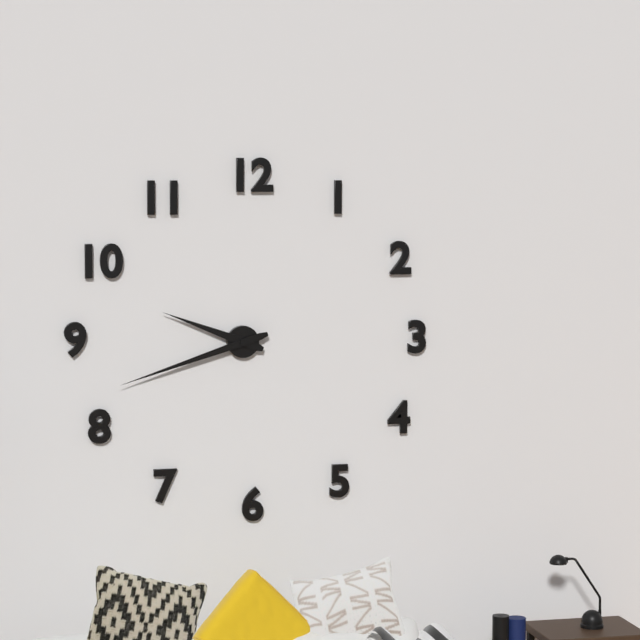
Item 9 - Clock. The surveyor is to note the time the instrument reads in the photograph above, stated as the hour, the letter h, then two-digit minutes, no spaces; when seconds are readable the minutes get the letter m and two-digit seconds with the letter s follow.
9h42
